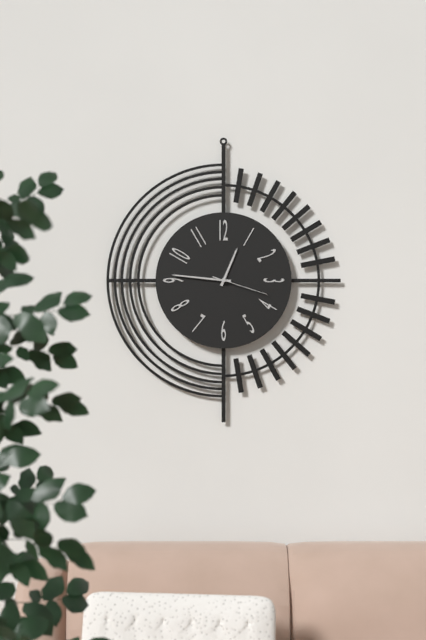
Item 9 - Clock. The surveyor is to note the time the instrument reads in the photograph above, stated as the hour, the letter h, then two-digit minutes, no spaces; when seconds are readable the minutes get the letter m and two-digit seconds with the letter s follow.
12h46m18s
